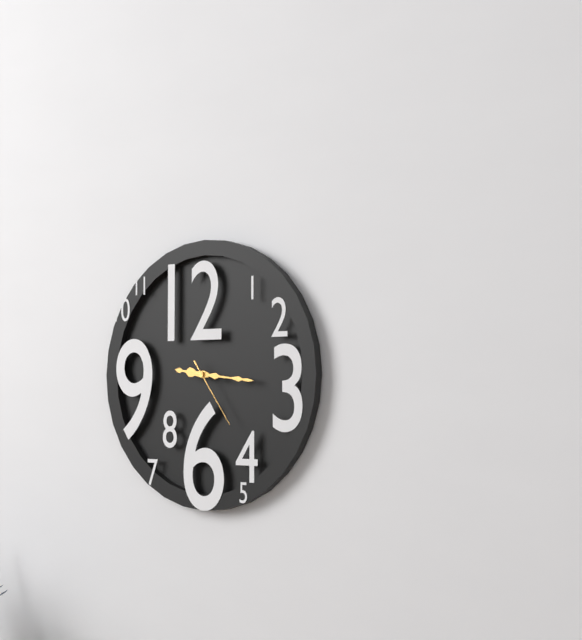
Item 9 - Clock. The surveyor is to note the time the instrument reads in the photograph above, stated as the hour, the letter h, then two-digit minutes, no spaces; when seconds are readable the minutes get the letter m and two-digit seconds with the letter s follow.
9h16m24s
